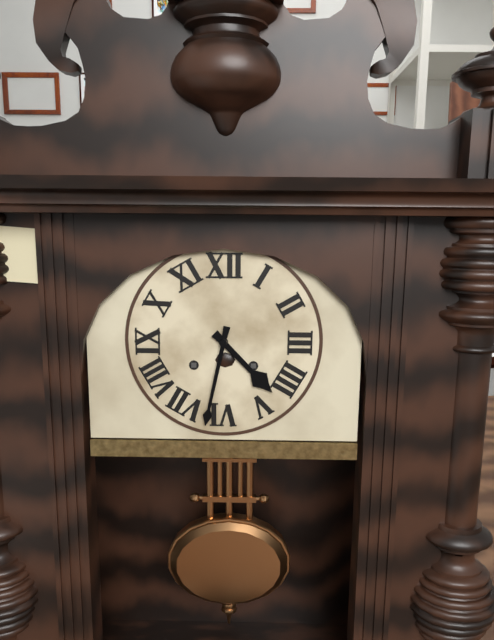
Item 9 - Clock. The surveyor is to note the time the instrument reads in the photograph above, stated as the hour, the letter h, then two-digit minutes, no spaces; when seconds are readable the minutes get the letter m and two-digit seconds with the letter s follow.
4h32
